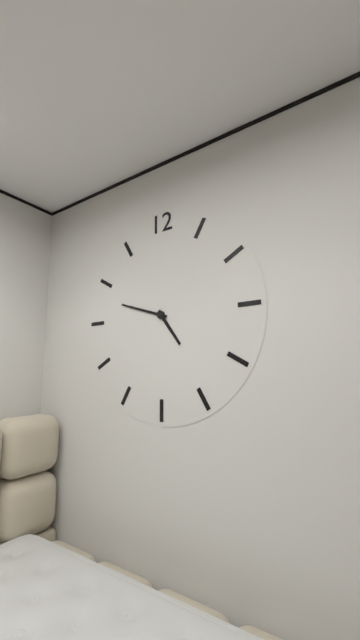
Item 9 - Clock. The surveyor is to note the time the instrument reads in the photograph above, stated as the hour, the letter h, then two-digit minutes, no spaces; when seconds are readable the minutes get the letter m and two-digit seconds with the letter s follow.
4h48
